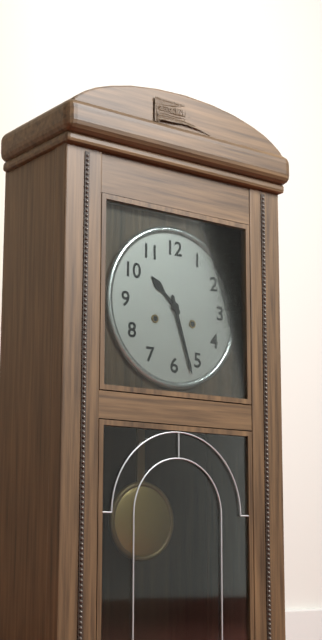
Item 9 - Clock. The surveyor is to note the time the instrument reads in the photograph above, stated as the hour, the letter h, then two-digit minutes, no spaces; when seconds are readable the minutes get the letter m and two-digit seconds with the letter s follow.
10h27
